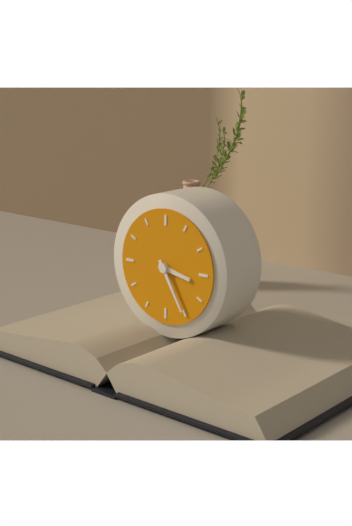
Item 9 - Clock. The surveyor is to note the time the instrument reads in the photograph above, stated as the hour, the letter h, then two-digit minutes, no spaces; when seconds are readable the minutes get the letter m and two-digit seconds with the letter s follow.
3h25
